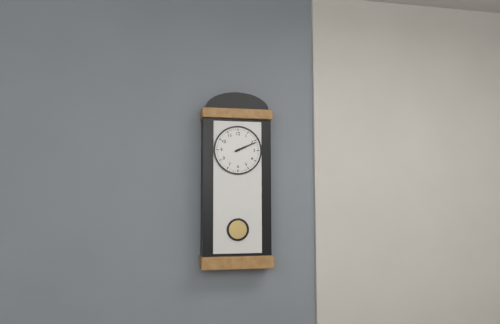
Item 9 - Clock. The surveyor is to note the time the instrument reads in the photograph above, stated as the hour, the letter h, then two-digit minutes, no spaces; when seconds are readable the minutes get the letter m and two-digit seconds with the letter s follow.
2h11
